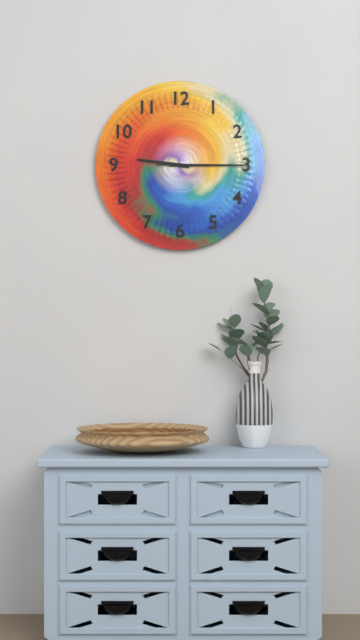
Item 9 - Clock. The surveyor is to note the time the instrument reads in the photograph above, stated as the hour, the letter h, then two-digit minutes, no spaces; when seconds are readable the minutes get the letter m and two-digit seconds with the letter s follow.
9h15m15s
